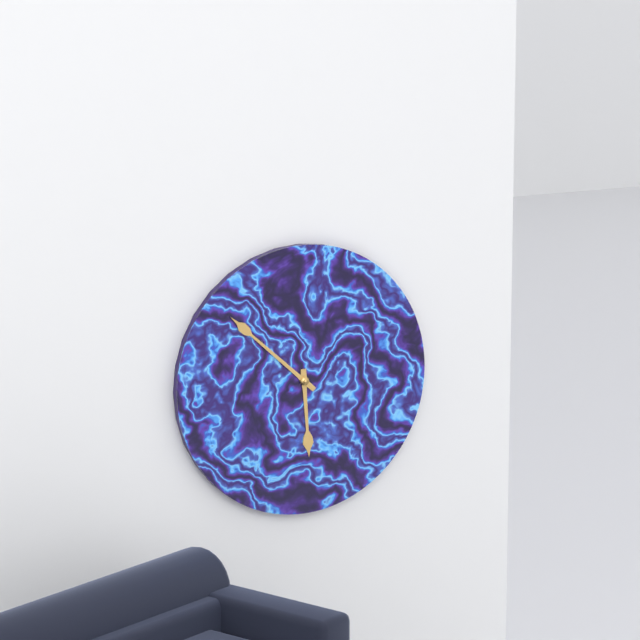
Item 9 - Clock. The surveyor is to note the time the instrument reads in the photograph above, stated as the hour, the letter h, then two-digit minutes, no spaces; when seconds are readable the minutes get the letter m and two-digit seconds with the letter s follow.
5h52
